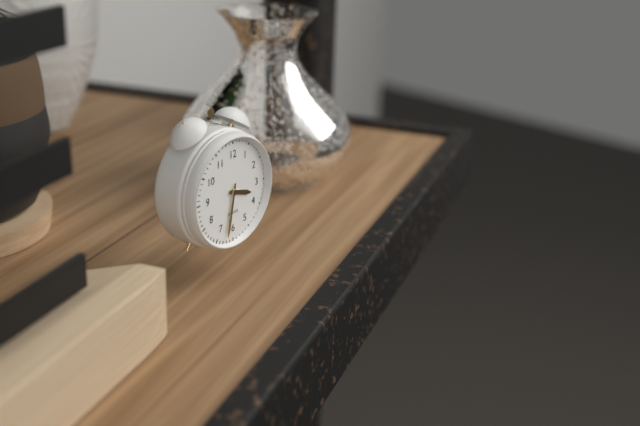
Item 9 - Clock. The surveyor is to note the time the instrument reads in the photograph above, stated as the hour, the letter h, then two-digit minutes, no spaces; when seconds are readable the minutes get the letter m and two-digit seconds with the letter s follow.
3h32
